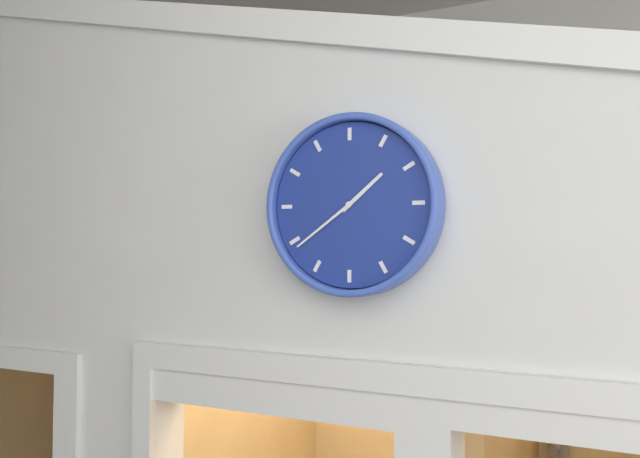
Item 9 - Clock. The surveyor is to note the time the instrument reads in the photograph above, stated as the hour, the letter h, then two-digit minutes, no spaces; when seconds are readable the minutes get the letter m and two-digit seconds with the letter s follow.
1h39
